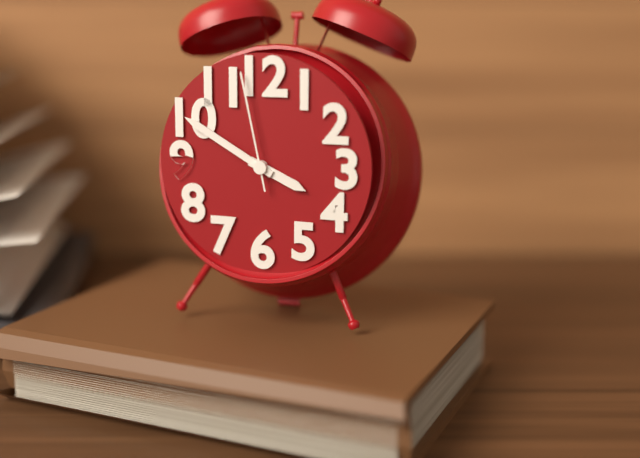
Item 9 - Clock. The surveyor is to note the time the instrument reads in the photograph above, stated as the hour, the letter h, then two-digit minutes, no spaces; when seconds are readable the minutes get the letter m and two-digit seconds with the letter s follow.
3h50m58s
